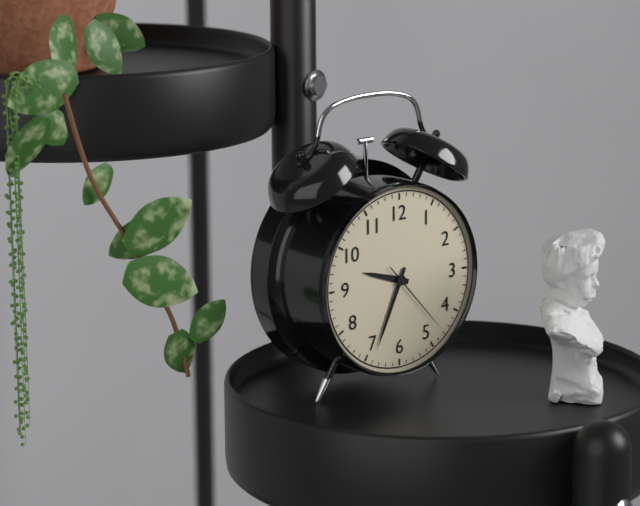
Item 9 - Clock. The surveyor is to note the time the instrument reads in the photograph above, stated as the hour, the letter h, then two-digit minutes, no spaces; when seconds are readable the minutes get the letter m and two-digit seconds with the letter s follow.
9h34m23s
